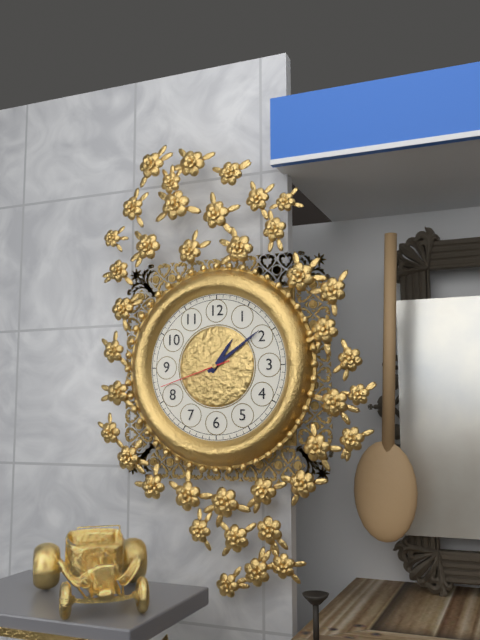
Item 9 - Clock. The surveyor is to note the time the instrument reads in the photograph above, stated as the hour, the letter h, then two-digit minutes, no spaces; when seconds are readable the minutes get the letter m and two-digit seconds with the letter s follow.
1h09m42s
